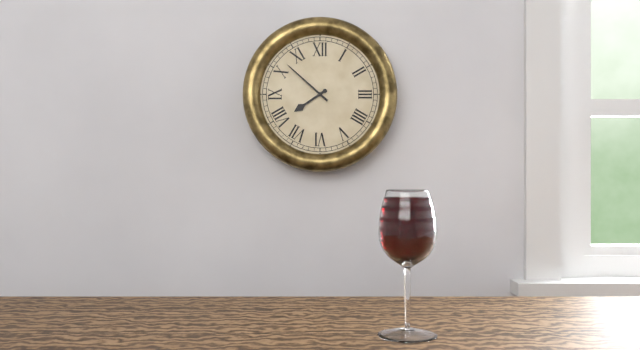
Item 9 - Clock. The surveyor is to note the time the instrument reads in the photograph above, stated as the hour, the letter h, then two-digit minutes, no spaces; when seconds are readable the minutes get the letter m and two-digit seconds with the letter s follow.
7h52
